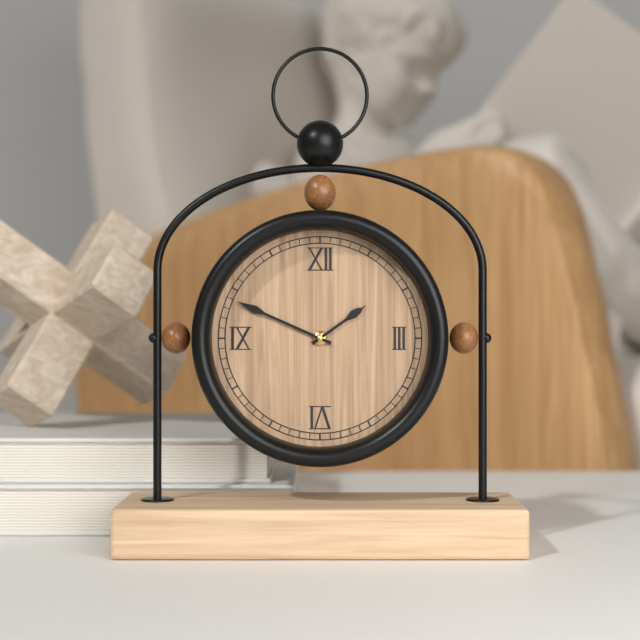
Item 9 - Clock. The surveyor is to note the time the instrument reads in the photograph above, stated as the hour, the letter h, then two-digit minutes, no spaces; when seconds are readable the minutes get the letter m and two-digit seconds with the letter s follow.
1h49
